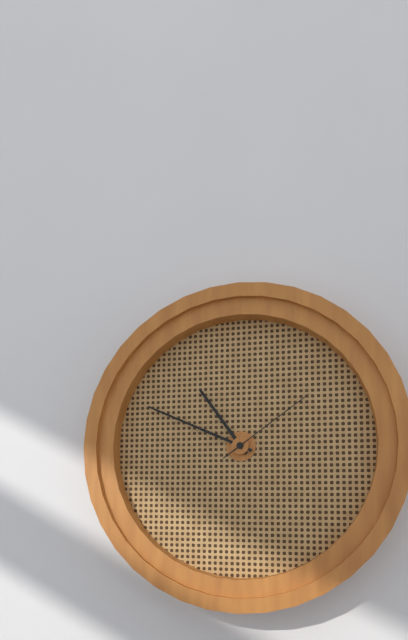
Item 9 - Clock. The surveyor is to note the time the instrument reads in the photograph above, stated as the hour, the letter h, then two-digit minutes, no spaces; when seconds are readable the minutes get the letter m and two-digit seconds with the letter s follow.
10h49m09s
